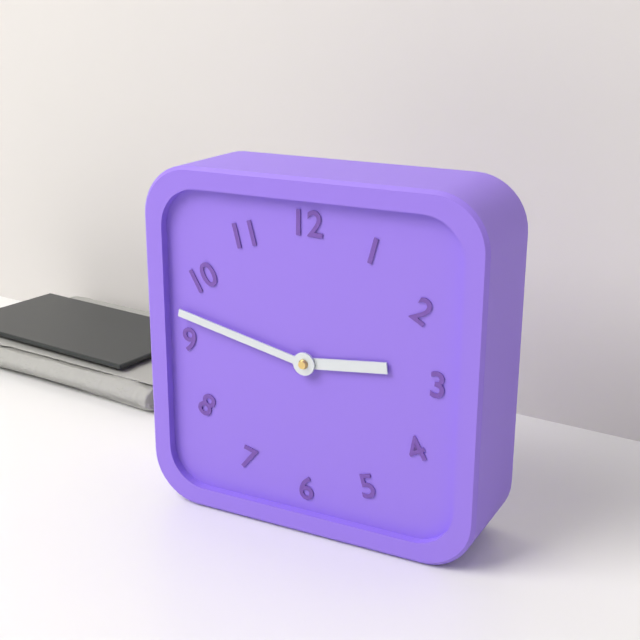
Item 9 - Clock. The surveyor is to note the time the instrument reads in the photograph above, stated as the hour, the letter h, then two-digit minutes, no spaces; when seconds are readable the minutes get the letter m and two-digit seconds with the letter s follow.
2h47
